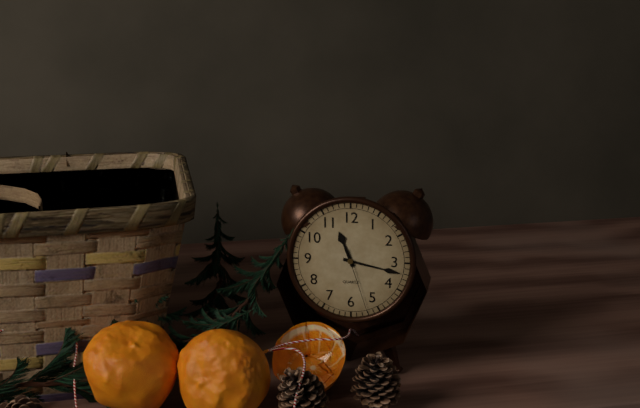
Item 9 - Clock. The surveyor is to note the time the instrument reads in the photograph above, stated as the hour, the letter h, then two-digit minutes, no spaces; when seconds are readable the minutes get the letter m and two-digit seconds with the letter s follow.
11h17m27s
